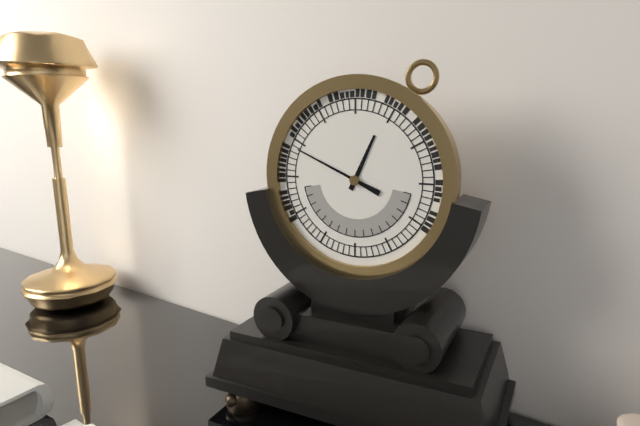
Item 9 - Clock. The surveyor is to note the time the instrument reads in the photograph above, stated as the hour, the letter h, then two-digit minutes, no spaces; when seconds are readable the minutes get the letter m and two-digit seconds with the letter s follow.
12h49
